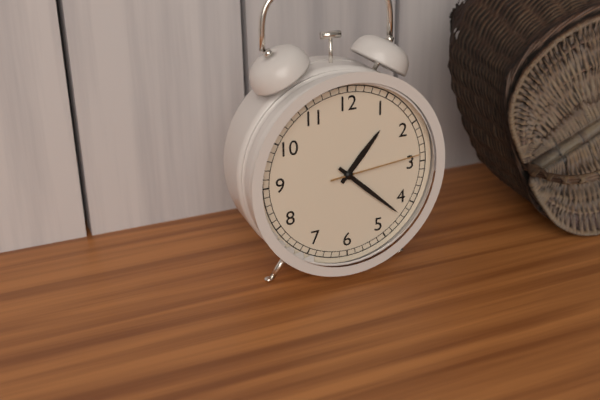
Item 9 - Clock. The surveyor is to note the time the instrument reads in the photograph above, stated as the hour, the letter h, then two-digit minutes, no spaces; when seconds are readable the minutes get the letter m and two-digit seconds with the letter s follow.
1h22m14s
